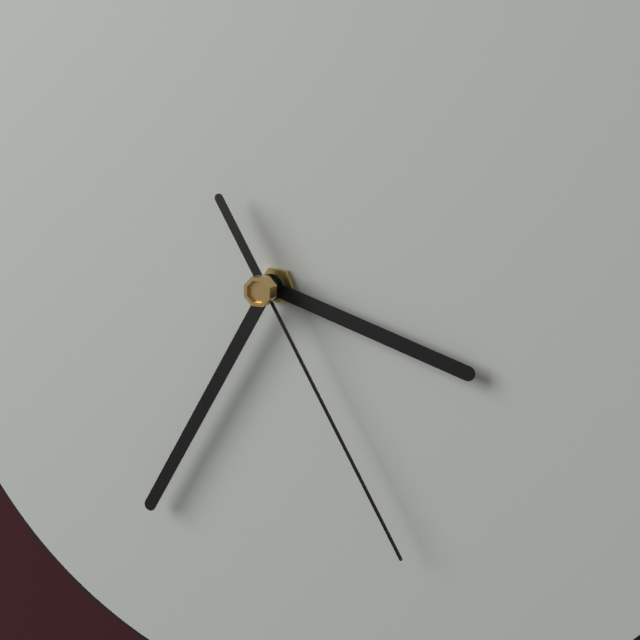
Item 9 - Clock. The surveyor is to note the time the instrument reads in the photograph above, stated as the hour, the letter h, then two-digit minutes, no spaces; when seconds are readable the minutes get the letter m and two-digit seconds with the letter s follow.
3h35m25s
